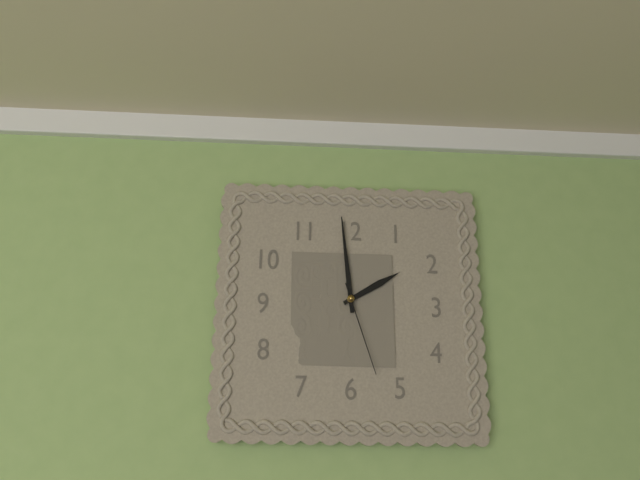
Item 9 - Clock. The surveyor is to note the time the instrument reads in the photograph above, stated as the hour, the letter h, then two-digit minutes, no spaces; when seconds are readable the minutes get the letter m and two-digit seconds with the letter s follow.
1h59m27s
